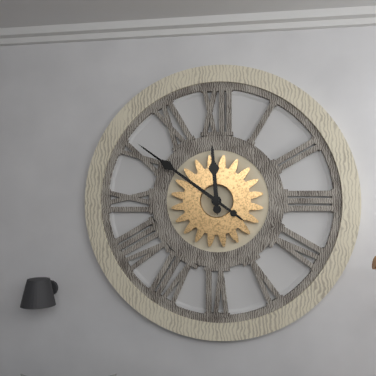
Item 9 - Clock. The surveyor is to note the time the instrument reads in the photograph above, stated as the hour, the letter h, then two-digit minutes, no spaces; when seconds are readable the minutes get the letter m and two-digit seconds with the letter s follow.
11h51
